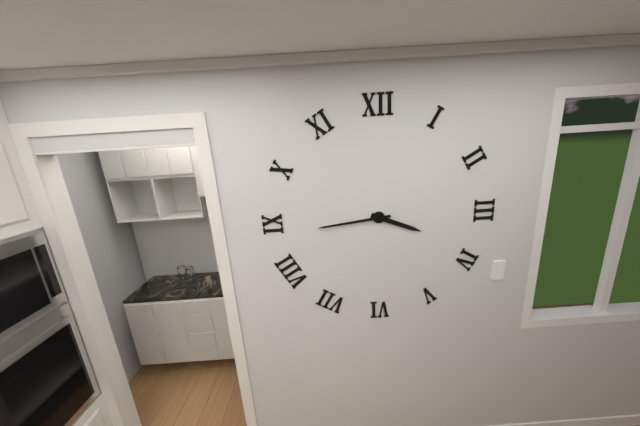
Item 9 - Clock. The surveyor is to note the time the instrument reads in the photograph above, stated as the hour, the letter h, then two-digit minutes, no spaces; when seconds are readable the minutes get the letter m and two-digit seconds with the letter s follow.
3h44
